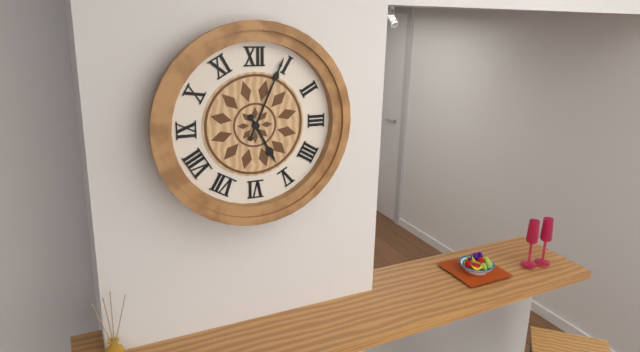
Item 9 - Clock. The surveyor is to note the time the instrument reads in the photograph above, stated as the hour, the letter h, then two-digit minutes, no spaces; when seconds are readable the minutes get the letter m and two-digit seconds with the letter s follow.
5h04
